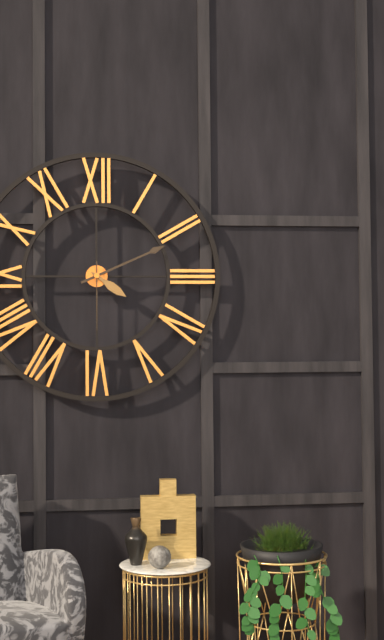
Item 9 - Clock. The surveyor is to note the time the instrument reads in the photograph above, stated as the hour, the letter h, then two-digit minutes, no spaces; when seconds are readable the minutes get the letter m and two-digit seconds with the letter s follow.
4h11m30s
